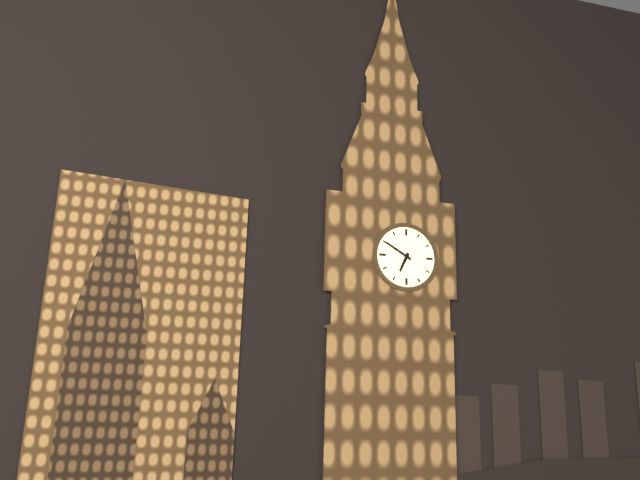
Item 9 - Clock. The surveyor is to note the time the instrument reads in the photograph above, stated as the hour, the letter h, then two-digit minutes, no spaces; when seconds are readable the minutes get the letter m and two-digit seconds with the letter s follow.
6h50
